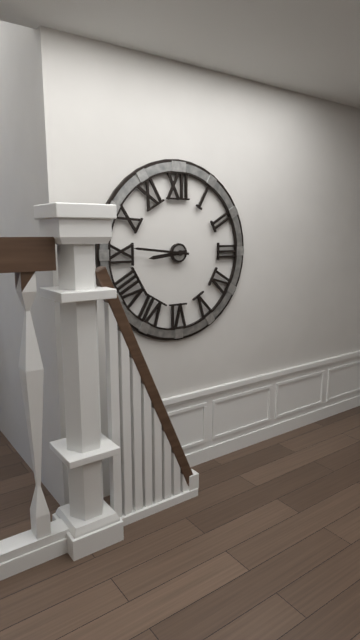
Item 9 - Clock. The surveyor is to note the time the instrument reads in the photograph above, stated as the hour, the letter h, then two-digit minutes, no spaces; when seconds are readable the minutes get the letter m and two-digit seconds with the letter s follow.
8h46
